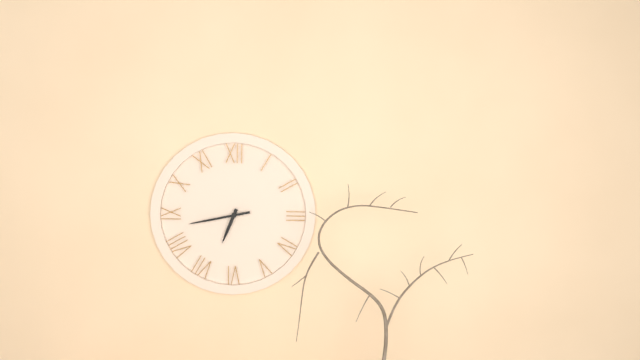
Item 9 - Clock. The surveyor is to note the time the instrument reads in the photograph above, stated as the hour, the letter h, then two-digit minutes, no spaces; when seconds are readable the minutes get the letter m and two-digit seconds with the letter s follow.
6h43
